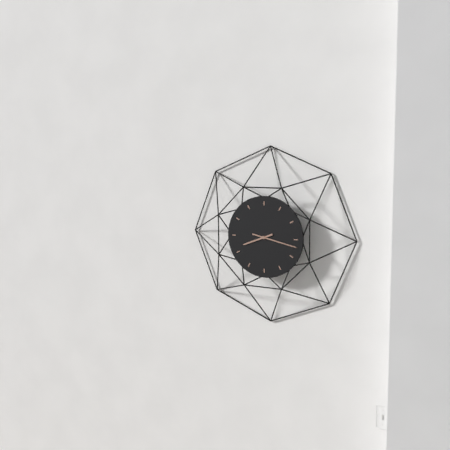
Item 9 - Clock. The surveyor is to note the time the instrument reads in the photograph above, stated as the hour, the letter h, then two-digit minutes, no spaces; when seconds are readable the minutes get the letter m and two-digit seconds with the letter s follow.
8h17
